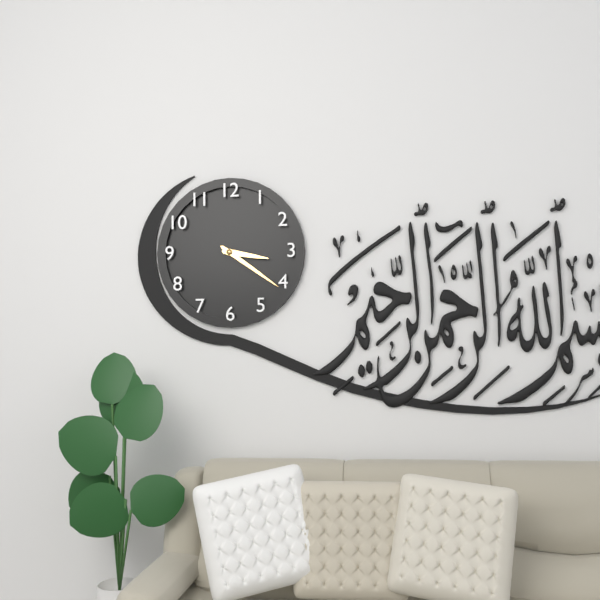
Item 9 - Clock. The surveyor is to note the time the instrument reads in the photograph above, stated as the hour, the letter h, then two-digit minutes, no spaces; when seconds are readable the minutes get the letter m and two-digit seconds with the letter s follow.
3h21
